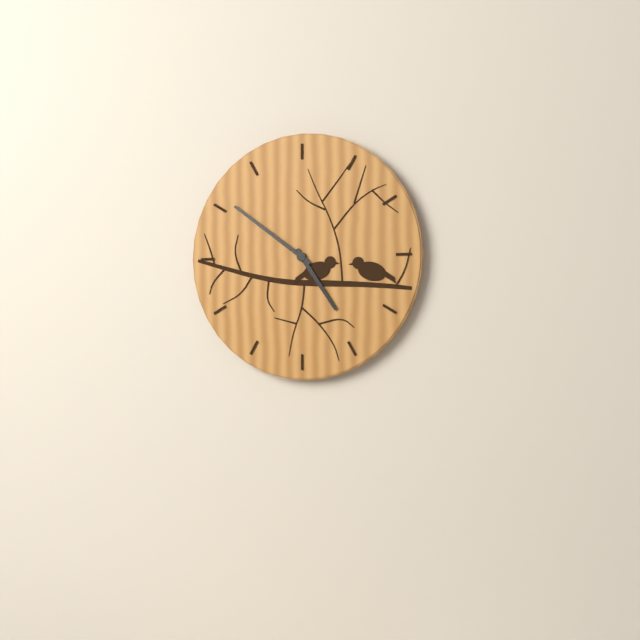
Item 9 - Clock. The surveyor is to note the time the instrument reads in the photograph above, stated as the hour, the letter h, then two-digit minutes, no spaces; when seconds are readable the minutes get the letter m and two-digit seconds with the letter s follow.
4h51
